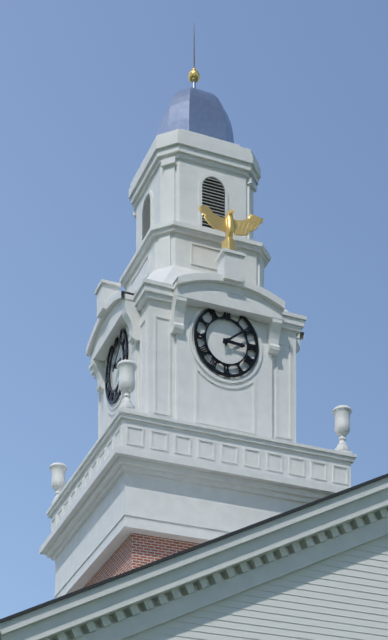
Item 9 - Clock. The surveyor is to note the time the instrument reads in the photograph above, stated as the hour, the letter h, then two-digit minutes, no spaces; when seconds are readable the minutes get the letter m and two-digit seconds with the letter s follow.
3h09
